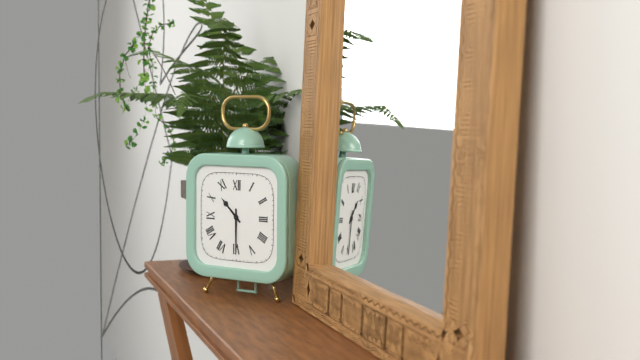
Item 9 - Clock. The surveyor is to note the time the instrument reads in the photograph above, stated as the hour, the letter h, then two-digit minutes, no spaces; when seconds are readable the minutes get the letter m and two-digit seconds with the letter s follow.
10h30
